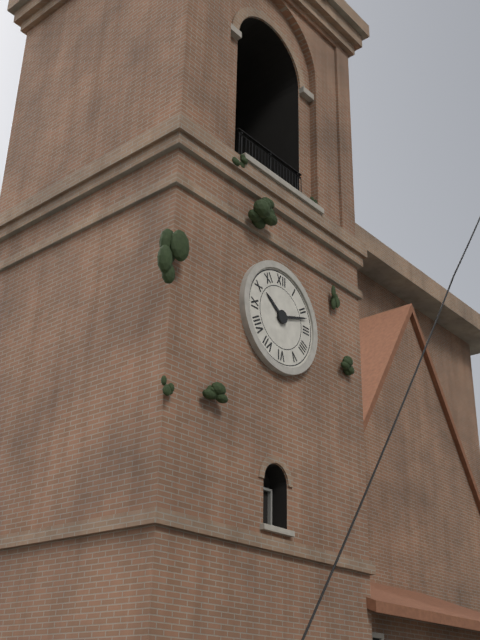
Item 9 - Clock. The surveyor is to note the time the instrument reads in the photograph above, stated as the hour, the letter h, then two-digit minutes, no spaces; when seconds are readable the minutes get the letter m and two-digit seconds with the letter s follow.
10h12
